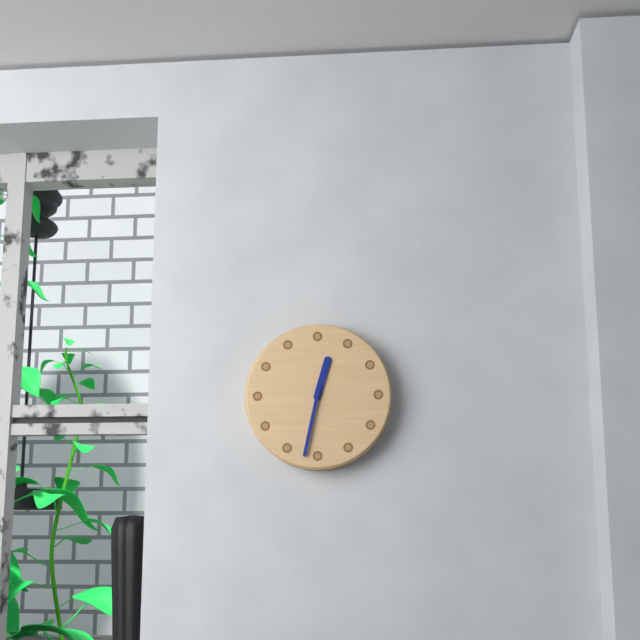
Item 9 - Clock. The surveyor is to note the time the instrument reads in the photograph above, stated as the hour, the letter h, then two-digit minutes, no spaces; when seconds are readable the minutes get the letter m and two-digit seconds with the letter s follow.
12h32
